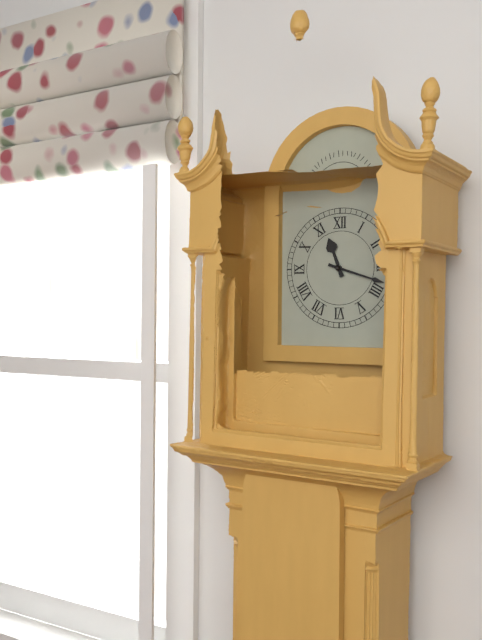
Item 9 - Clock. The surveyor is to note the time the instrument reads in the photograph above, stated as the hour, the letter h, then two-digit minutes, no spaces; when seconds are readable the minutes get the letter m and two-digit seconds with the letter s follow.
11h18
